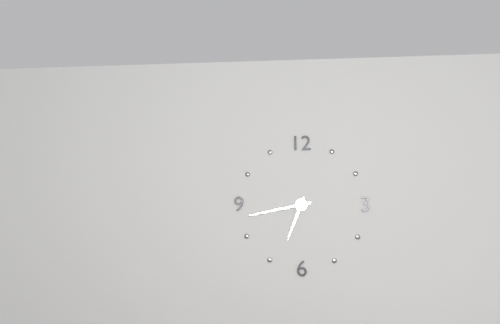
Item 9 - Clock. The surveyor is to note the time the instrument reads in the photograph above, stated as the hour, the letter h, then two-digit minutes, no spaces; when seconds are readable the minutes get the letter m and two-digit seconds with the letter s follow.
6h43
